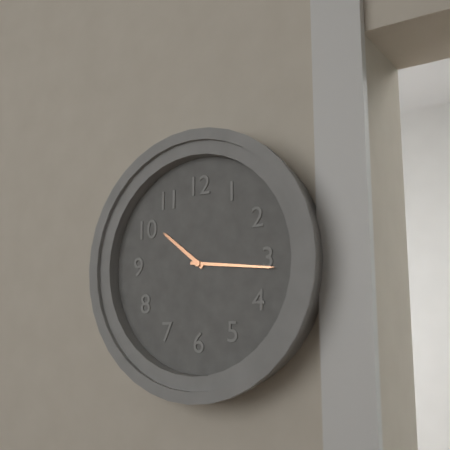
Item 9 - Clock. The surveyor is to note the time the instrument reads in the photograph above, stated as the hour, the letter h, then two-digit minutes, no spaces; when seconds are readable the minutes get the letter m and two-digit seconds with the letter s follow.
10h16
